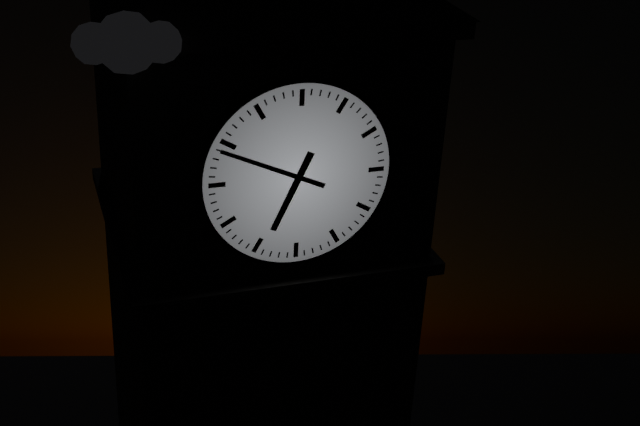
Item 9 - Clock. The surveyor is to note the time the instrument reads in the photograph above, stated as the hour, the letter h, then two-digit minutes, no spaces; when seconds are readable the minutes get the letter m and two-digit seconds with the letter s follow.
6h49
